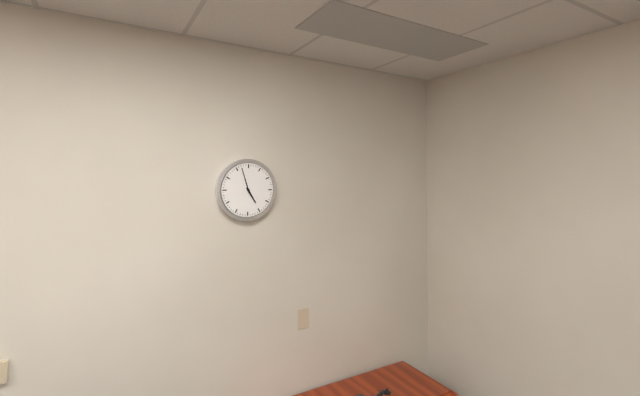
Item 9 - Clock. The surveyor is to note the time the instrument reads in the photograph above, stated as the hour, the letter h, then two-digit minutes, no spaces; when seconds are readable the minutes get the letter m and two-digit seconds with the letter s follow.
4h57
